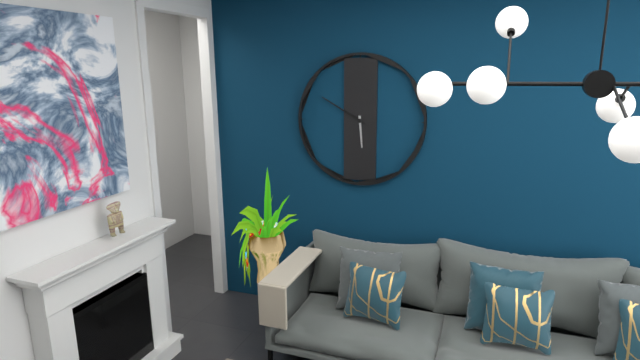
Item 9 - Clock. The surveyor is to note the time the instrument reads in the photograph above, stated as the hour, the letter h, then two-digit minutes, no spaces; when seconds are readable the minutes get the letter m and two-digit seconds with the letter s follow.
5h50
